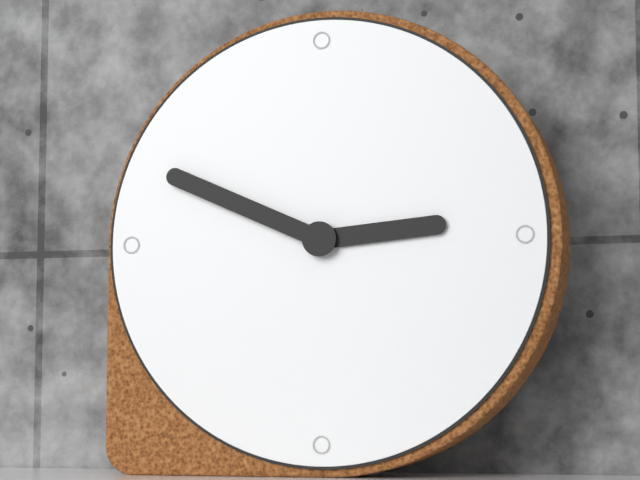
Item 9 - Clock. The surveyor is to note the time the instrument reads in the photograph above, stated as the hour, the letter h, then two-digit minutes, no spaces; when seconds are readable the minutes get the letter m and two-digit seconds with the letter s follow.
2h49
